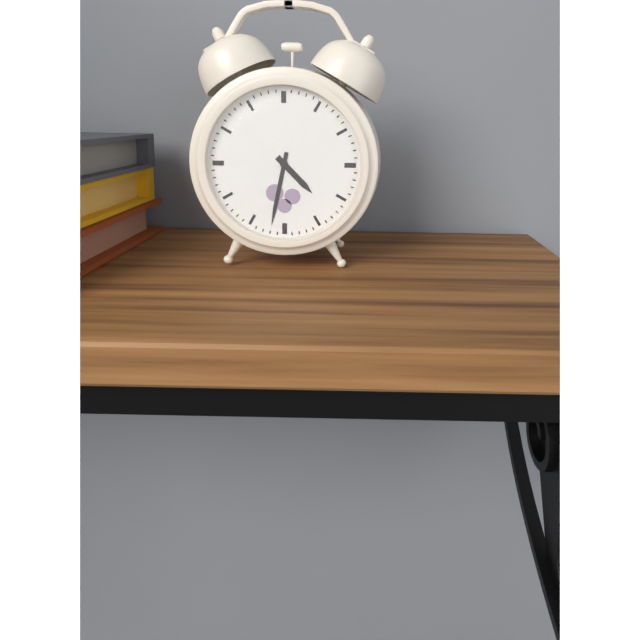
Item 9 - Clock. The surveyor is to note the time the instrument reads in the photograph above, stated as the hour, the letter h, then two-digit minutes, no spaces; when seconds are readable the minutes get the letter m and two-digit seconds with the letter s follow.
4h32
